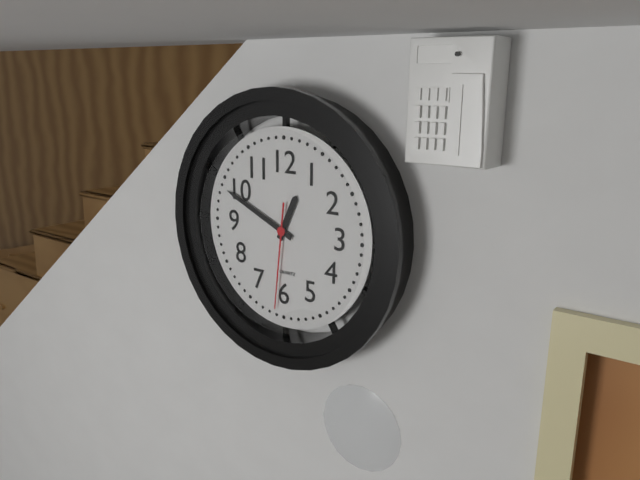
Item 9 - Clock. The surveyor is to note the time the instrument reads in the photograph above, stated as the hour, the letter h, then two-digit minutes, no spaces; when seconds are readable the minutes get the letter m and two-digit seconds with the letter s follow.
12h49m31s
